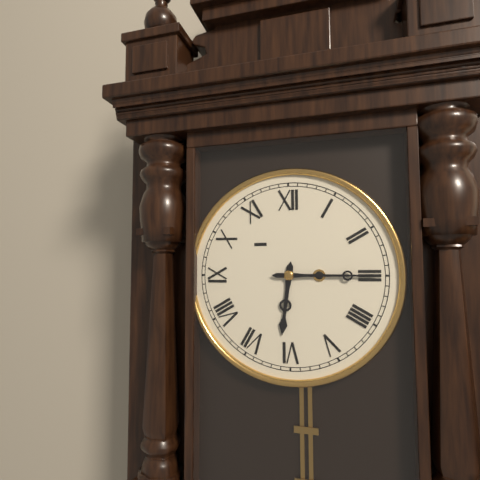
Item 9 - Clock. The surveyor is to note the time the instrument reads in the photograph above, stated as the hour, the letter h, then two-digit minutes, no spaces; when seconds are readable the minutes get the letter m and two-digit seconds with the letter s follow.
6h15
